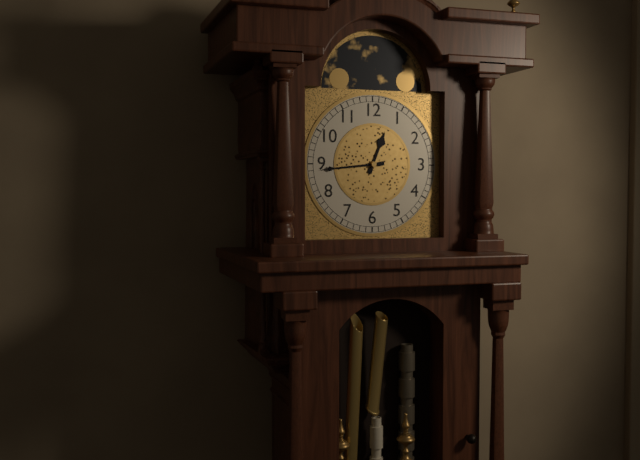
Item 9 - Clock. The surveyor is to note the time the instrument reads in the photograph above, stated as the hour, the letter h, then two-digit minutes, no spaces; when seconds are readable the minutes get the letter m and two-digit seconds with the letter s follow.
12h44
